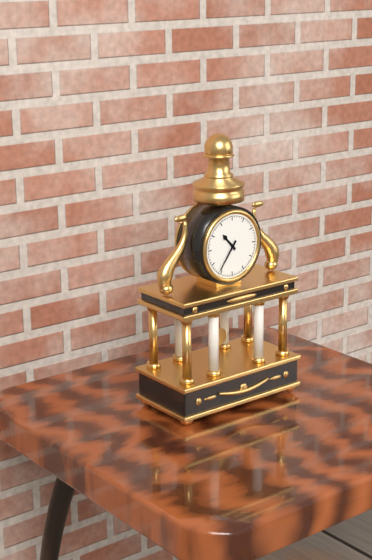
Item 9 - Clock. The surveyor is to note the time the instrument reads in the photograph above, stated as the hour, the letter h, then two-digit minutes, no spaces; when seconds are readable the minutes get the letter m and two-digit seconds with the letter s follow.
10h36
